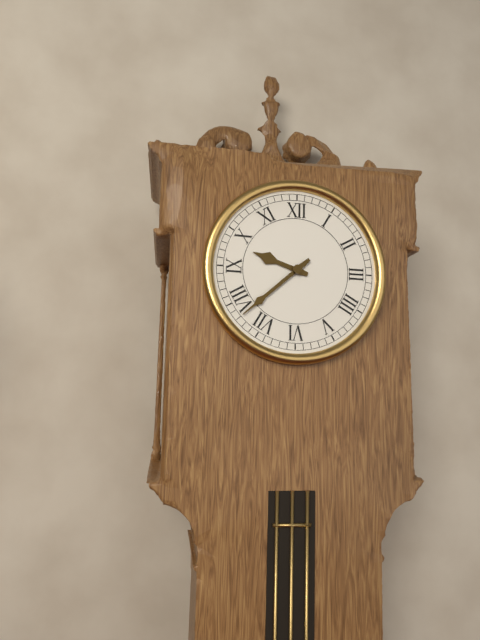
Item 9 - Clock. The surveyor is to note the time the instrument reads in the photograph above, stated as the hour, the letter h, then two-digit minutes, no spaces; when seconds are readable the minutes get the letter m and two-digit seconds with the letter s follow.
9h38
